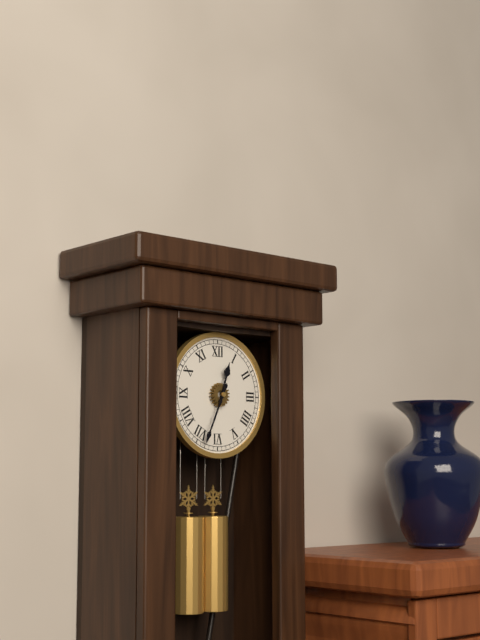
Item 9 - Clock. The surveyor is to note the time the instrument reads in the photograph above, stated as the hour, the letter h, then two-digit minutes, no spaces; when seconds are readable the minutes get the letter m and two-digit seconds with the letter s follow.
12h34
